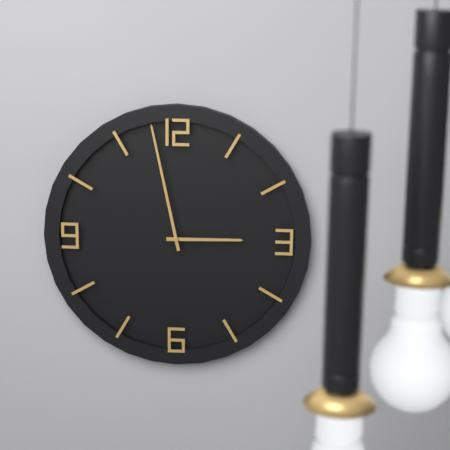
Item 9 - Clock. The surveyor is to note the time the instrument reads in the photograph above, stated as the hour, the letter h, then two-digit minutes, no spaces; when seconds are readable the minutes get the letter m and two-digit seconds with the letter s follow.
2h58
